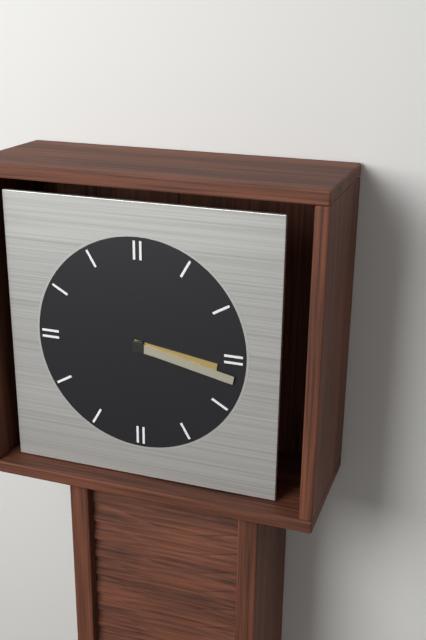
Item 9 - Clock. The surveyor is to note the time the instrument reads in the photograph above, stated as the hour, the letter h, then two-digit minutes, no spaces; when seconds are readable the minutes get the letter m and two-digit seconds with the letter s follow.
3h17
